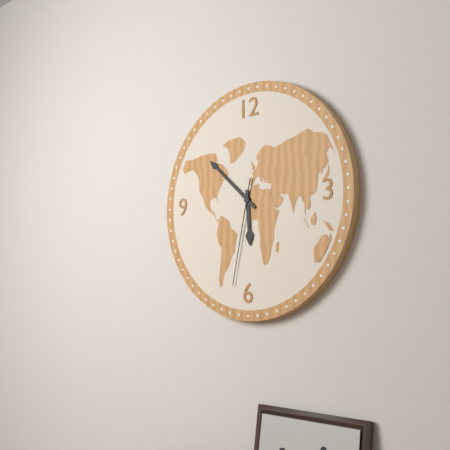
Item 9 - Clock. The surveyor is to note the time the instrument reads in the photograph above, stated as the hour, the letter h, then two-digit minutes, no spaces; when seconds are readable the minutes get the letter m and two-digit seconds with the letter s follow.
5h52m32s
